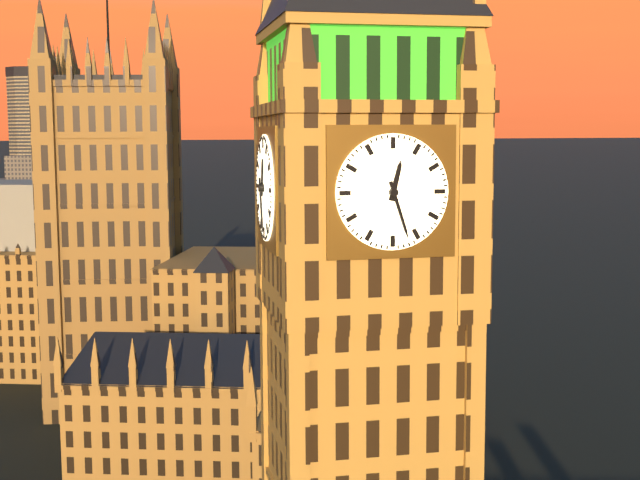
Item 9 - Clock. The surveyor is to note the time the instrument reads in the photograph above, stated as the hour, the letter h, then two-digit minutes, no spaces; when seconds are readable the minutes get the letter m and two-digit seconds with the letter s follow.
12h27
